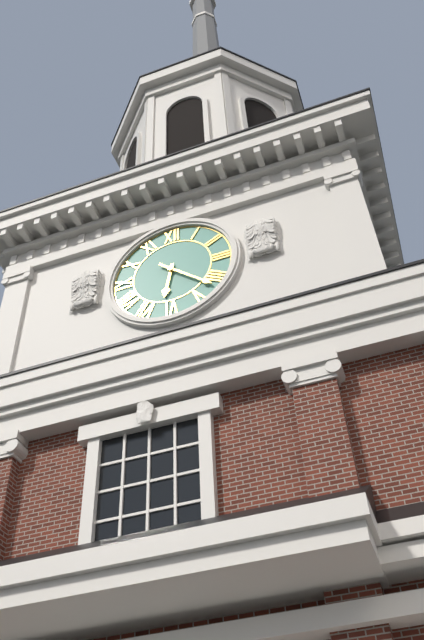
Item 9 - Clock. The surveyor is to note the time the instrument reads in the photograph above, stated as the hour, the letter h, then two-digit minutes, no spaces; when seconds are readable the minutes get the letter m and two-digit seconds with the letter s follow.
6h22
